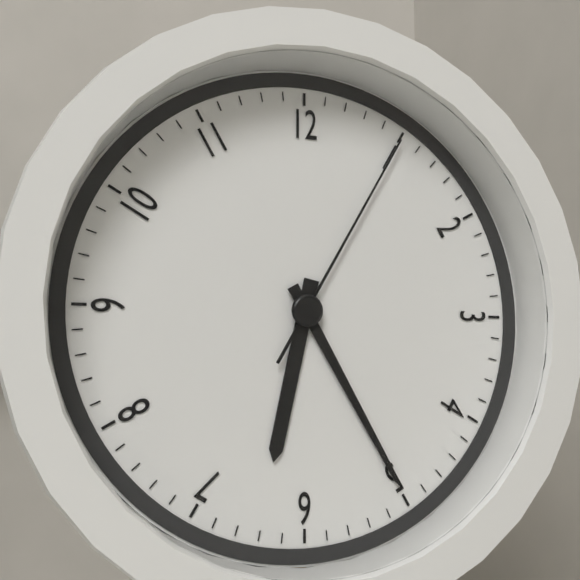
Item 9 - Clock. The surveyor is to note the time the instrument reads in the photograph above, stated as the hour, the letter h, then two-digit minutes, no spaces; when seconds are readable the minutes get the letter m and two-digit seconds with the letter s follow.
6h25m05s
